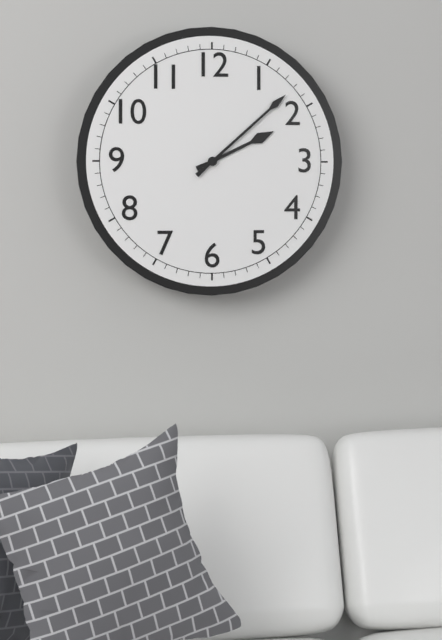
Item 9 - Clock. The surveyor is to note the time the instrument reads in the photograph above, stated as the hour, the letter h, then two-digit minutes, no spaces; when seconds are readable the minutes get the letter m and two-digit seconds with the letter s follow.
2h08
